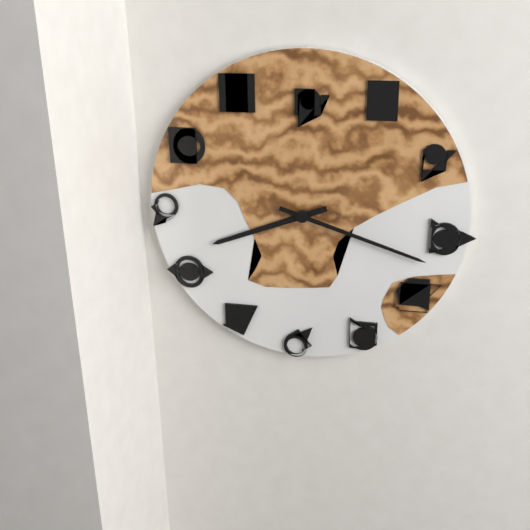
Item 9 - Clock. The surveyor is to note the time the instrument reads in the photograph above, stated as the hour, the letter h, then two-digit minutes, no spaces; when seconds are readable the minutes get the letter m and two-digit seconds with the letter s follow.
8h18
